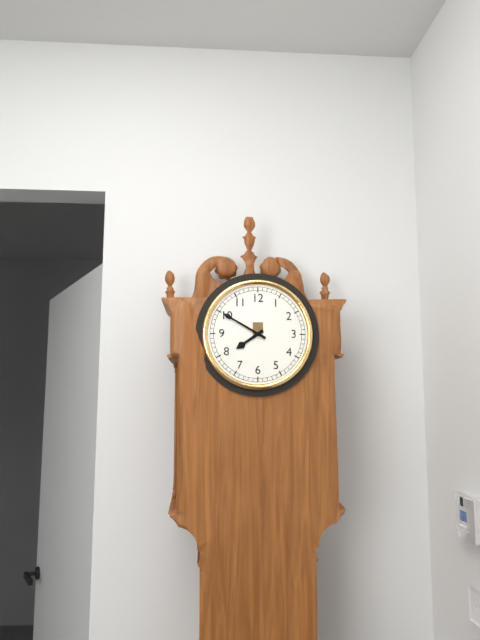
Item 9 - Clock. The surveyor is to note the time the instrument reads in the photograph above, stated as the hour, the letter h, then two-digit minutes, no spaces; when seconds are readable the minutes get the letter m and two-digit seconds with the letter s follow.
7h50
